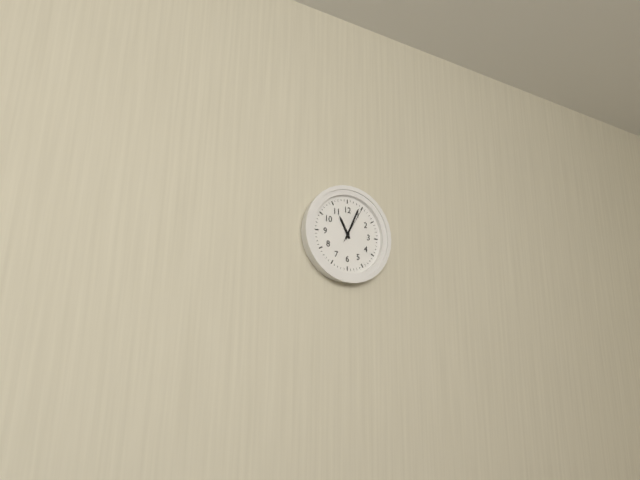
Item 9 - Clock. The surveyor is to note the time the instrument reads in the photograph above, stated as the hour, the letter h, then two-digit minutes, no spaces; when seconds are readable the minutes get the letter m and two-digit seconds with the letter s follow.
11h04
